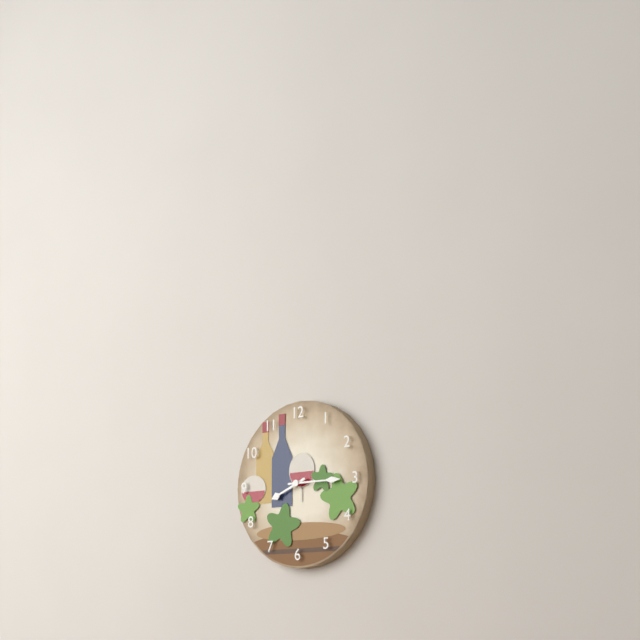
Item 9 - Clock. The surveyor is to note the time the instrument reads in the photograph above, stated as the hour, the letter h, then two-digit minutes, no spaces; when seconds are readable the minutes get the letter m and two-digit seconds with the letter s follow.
8h15
